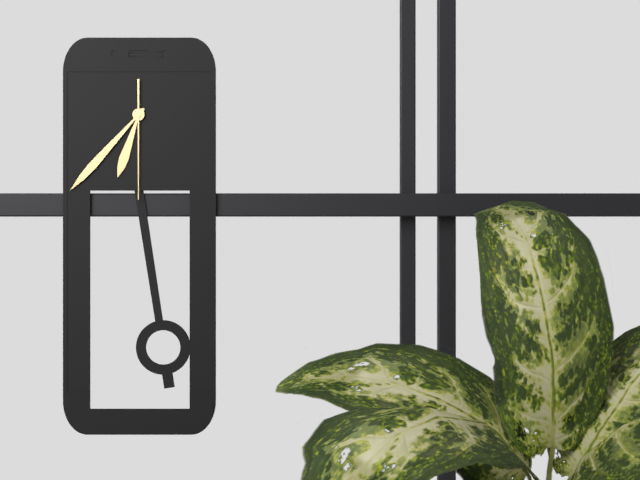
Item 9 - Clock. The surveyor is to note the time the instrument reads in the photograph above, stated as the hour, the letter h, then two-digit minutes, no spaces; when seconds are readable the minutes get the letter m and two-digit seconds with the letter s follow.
6h37m30s
